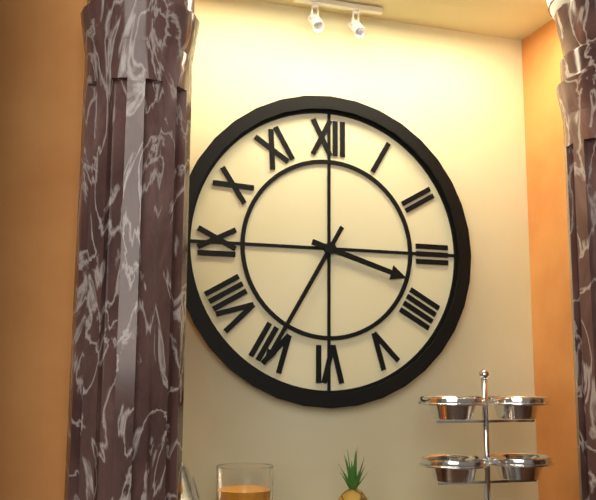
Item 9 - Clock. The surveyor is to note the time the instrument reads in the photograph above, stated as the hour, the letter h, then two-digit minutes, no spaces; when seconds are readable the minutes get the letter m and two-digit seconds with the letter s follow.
3h35
